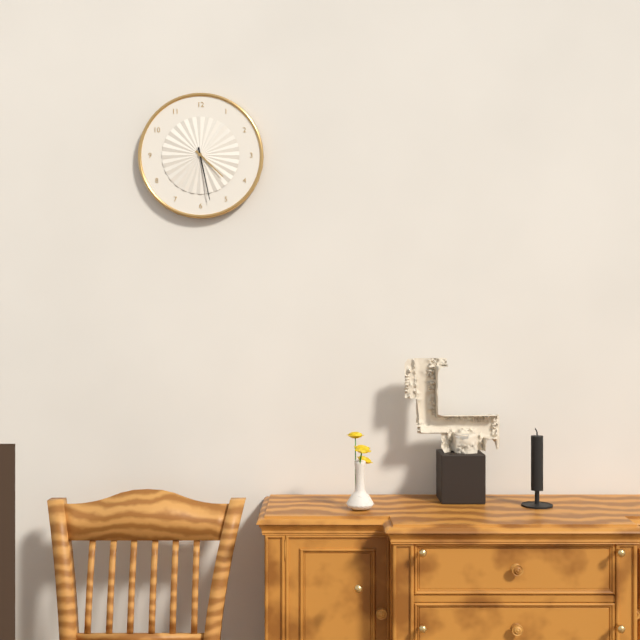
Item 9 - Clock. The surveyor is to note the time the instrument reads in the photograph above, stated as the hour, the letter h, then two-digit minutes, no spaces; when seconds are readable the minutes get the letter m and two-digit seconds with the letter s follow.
4h28
